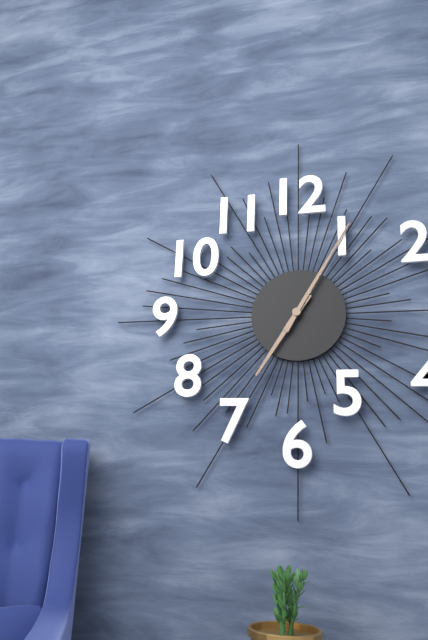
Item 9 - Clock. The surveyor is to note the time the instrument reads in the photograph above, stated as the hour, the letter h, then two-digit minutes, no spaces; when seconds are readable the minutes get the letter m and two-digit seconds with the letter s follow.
7h05
